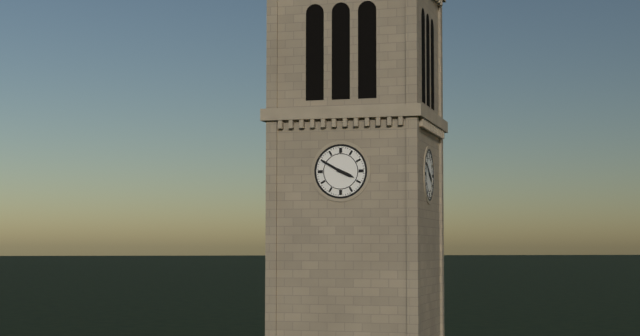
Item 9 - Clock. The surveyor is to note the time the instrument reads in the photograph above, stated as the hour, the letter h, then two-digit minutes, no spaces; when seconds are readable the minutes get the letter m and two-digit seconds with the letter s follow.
3h50
